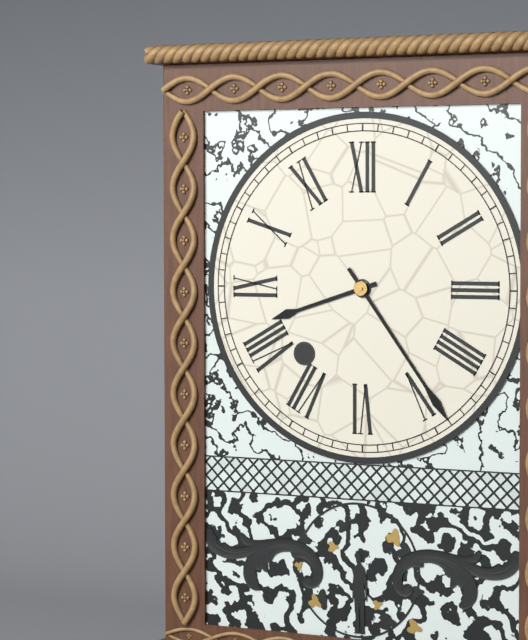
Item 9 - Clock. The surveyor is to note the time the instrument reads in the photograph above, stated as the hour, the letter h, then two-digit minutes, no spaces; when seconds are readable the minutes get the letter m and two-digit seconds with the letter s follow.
8h24
